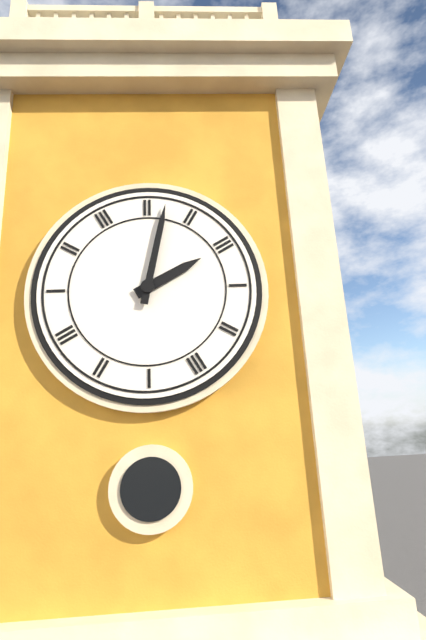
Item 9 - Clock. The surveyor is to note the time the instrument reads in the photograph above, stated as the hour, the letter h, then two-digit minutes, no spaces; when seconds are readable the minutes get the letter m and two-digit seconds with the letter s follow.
2h02
